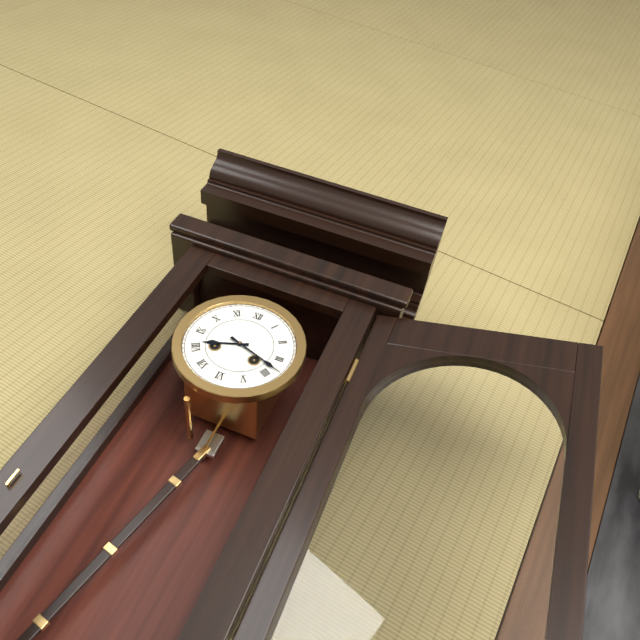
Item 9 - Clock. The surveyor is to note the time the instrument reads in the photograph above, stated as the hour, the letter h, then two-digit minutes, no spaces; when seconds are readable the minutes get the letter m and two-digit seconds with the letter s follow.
8h18
